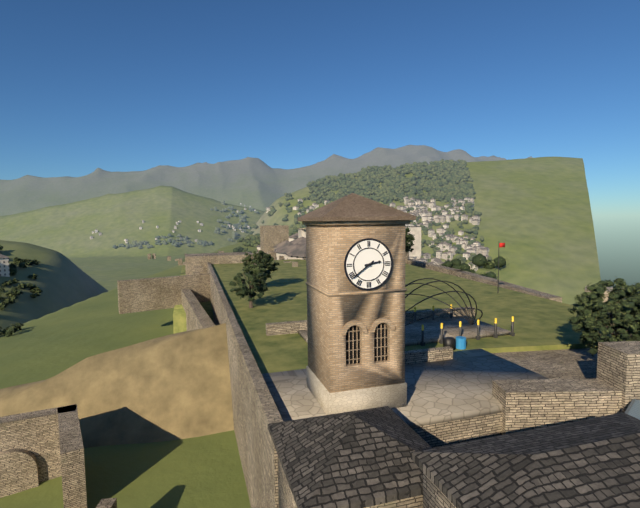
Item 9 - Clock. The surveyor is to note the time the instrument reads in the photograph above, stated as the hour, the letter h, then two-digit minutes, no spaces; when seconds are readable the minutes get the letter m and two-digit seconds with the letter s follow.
2h39
